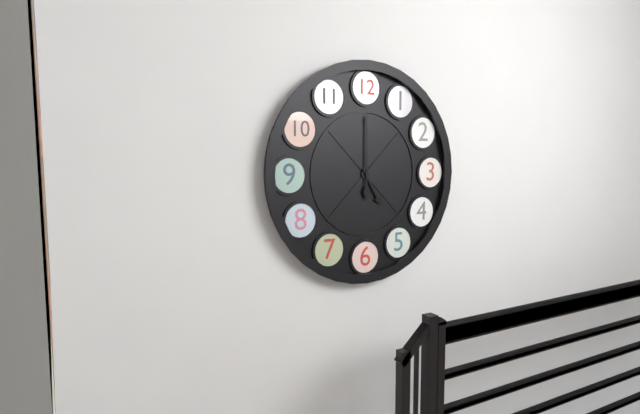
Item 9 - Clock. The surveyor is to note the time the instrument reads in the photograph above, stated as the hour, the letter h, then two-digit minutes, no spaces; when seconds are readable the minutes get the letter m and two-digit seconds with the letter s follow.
5h00
